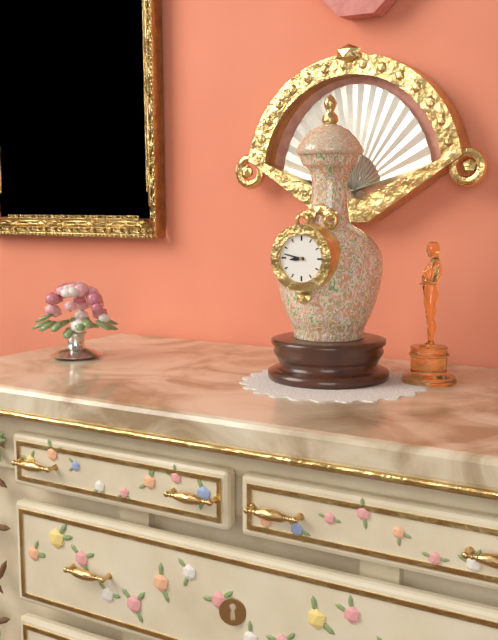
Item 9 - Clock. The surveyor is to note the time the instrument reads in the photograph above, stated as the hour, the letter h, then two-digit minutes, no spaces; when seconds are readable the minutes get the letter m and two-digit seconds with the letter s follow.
8h47
